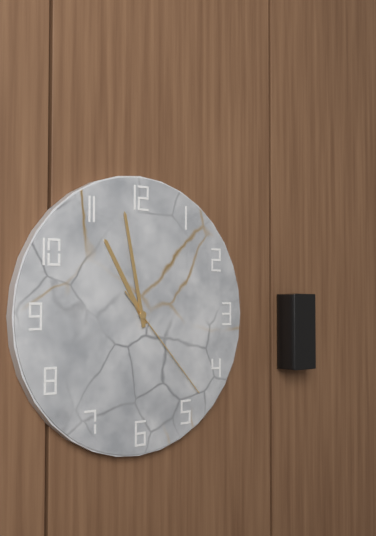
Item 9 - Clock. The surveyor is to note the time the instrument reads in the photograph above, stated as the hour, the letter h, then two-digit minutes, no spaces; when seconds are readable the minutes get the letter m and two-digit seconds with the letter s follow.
10h58m23s
